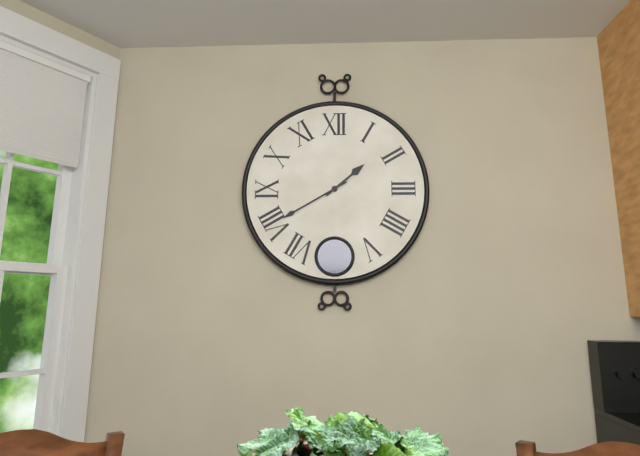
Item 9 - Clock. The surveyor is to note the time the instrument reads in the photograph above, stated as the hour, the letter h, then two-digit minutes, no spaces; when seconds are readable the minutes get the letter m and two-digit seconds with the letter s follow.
1h40
